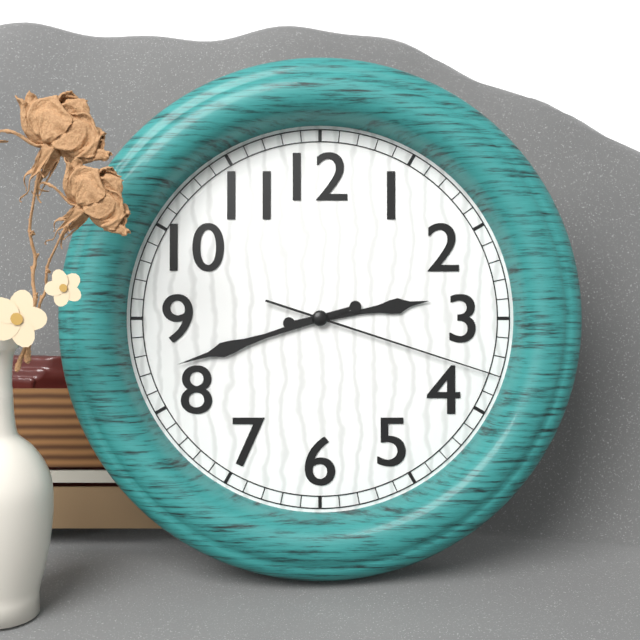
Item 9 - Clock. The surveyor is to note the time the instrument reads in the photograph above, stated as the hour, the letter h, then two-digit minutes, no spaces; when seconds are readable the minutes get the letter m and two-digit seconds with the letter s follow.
2h42m18s
